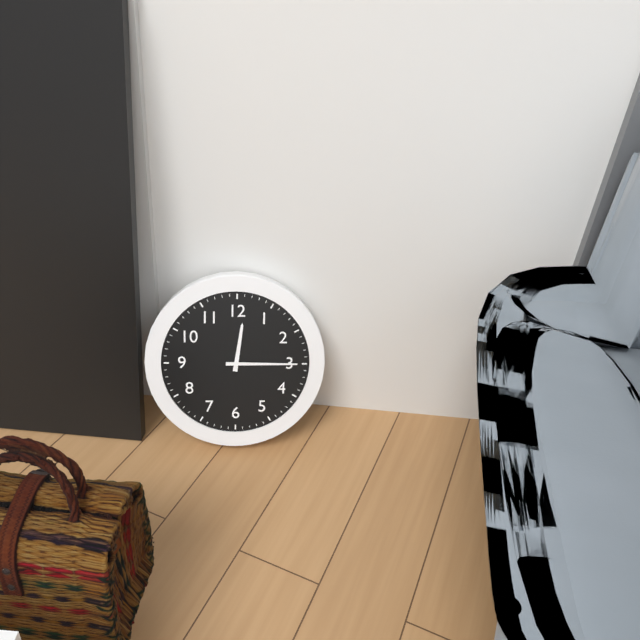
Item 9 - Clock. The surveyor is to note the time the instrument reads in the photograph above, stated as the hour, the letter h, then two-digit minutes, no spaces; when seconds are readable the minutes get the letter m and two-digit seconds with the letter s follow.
12h15
